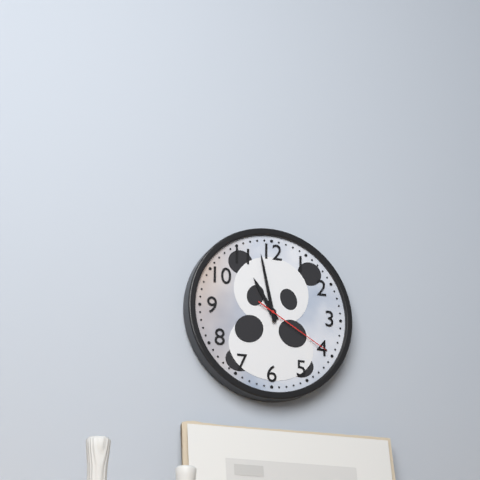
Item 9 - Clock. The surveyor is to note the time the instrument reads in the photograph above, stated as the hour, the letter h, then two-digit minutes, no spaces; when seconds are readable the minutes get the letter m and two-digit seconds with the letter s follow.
10h58m20s
